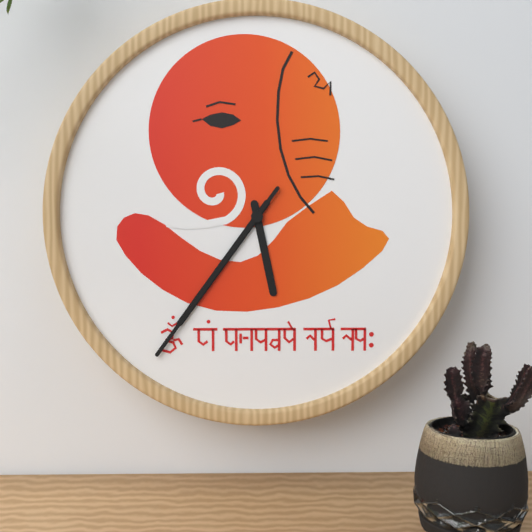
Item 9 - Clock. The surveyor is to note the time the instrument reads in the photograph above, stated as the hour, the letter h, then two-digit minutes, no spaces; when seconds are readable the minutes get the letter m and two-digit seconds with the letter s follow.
5h36m36s
